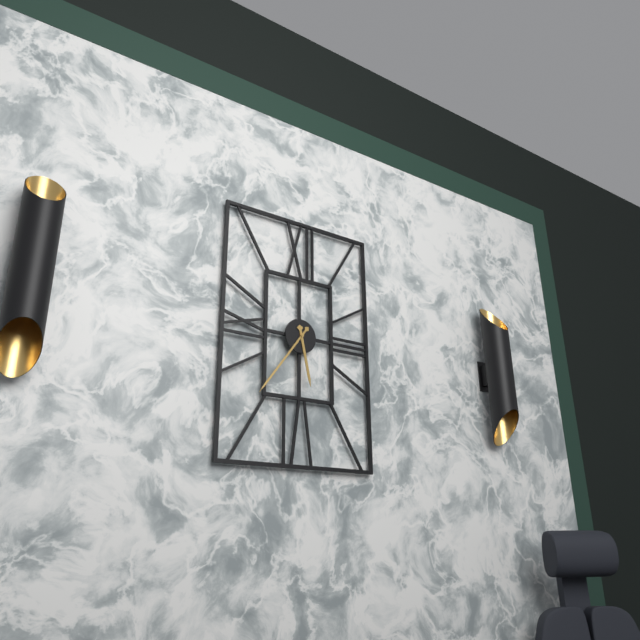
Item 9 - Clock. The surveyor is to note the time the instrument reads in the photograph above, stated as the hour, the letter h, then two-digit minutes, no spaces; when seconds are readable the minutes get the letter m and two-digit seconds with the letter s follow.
5h36
